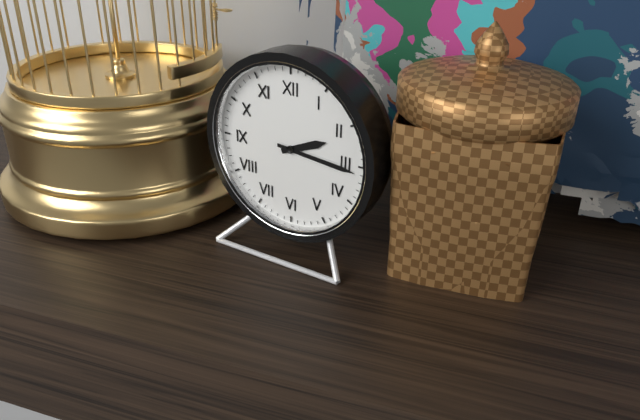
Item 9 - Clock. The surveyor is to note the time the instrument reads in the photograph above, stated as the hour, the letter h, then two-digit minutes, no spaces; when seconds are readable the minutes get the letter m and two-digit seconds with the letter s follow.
2h16
